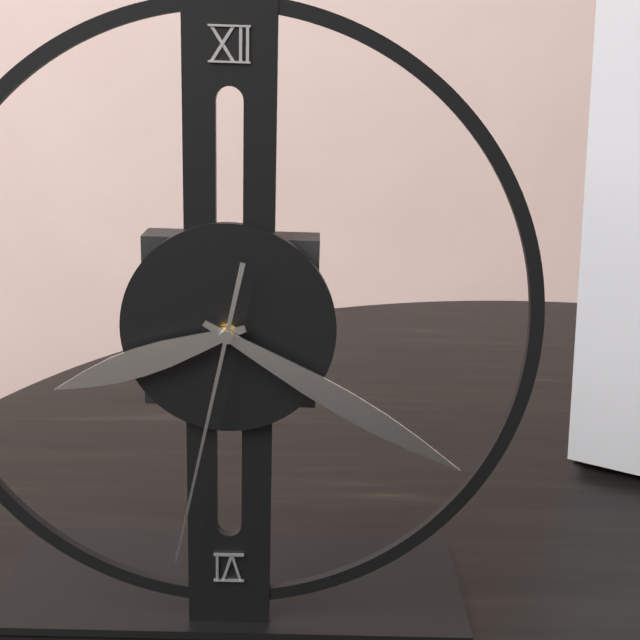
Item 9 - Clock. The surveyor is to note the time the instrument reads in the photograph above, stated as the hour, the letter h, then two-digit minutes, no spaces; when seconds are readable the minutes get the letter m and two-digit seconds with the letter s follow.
8h20m32s
